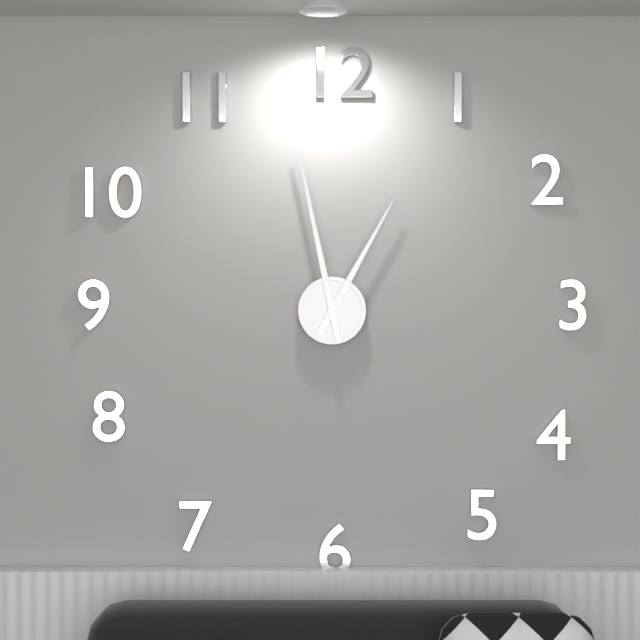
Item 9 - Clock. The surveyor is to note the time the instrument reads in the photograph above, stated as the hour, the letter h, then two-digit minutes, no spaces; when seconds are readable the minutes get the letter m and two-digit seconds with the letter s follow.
12h58
